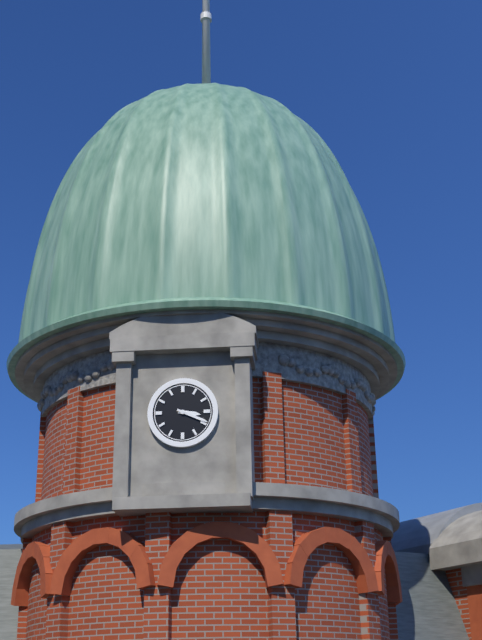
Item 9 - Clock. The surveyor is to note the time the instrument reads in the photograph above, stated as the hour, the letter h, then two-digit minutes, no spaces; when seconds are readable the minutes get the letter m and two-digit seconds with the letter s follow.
3h19
